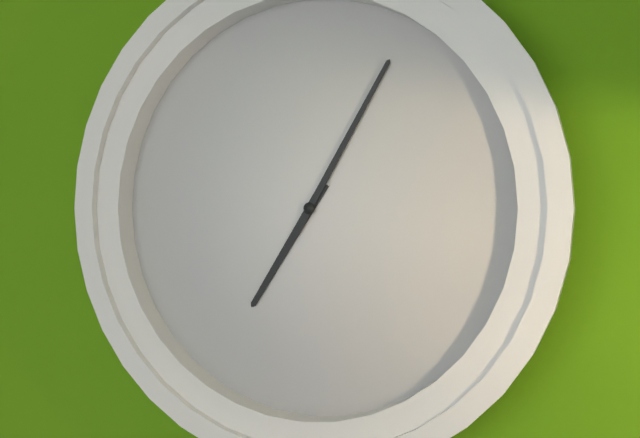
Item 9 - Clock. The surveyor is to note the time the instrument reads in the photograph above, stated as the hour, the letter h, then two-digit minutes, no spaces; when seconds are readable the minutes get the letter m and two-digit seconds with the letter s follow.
7h05
